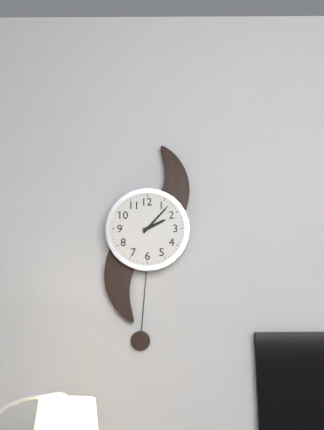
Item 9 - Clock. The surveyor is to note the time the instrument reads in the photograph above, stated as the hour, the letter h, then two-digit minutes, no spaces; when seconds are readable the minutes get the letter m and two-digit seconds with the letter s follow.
2h07
